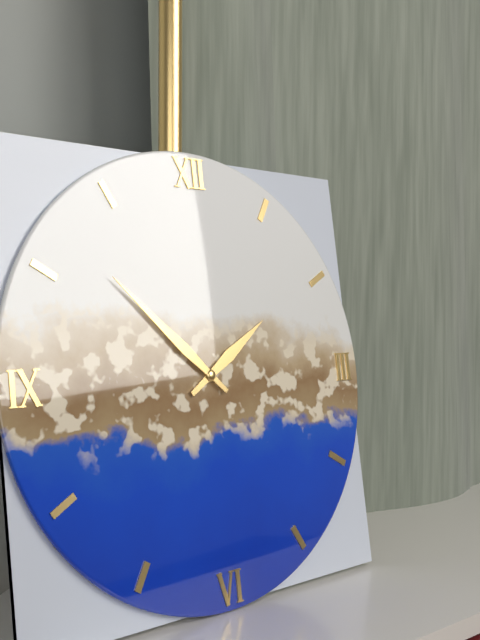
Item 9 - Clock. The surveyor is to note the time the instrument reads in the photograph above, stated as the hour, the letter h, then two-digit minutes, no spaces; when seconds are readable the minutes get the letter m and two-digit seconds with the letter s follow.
1h52
